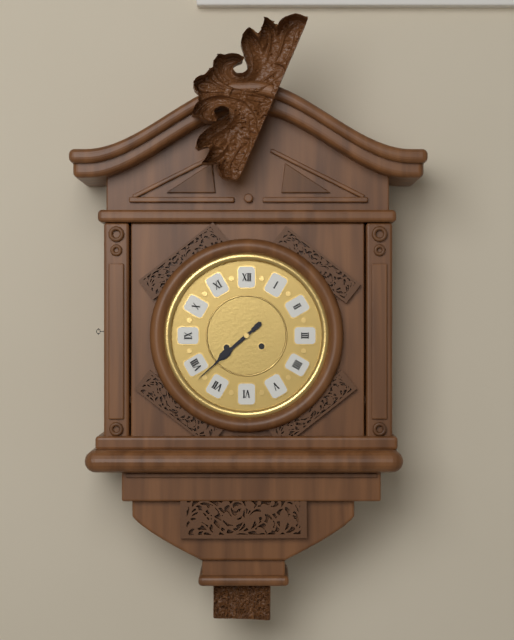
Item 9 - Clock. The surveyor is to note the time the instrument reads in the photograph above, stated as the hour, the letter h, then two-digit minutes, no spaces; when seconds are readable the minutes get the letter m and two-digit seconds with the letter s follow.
7h38
